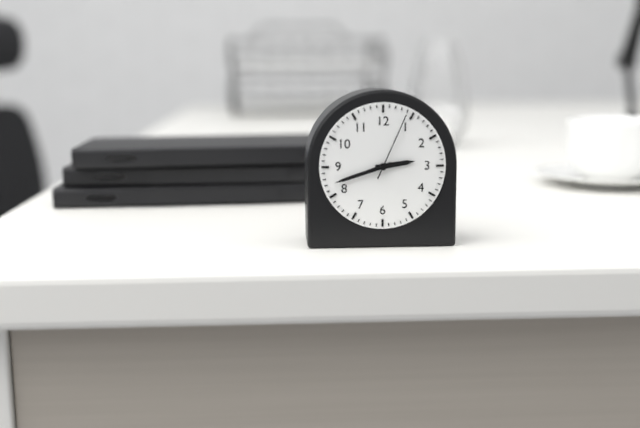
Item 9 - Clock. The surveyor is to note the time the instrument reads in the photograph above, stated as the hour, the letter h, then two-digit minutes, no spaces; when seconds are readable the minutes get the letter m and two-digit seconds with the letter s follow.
2h42m04s
